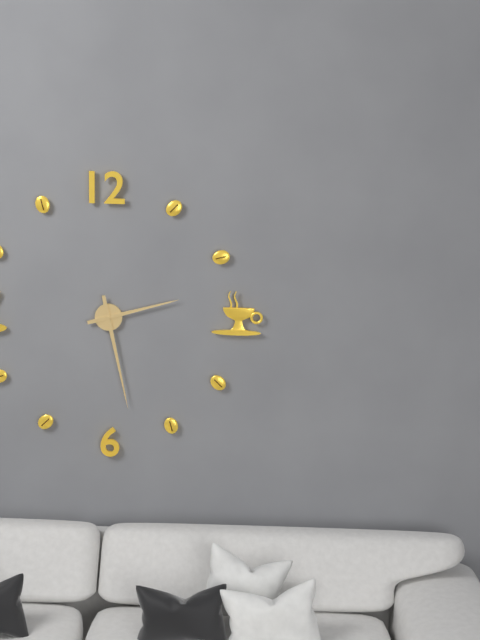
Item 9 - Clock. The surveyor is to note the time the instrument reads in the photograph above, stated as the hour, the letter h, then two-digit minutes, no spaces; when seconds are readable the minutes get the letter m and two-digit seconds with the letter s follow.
2h28
